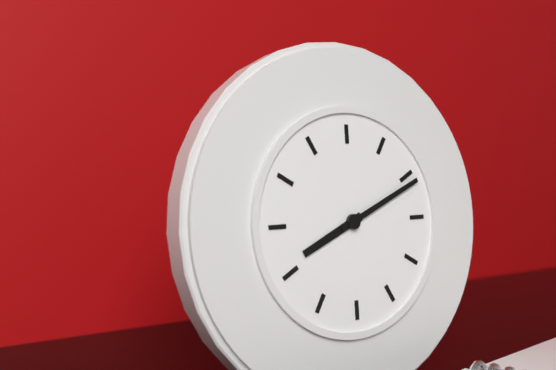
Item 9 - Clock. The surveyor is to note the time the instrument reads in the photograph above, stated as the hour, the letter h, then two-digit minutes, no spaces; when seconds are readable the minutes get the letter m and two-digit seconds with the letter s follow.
8h11
